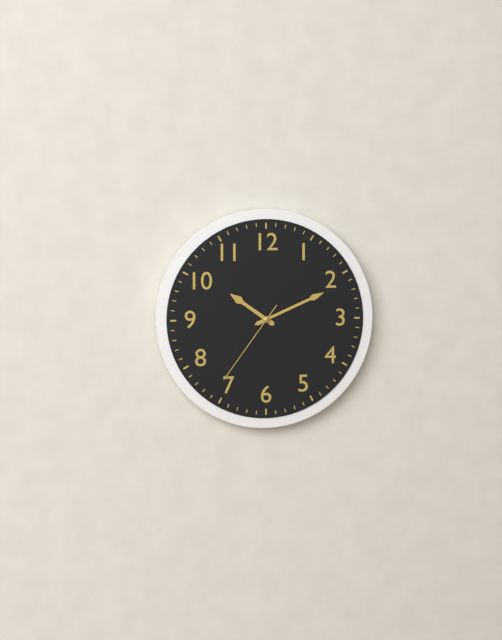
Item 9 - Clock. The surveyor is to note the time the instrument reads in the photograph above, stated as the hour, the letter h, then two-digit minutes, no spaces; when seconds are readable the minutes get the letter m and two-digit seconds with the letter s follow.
10h11m36s
